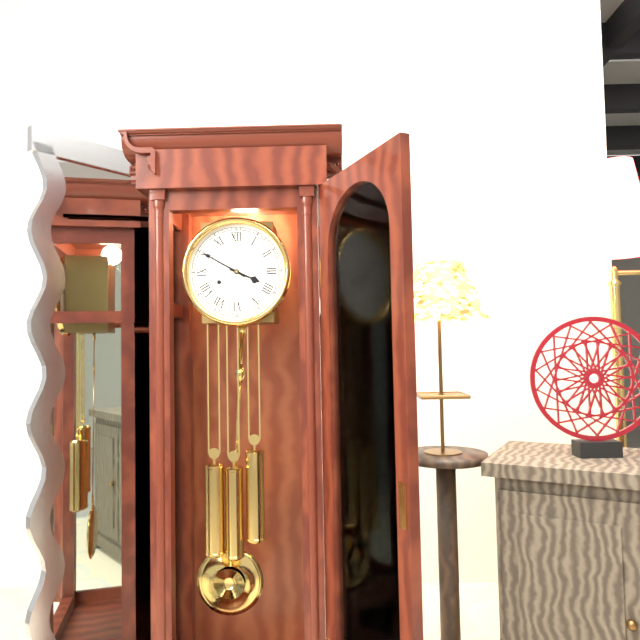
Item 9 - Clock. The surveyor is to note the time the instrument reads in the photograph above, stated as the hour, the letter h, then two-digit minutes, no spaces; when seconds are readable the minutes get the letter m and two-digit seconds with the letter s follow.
3h50
